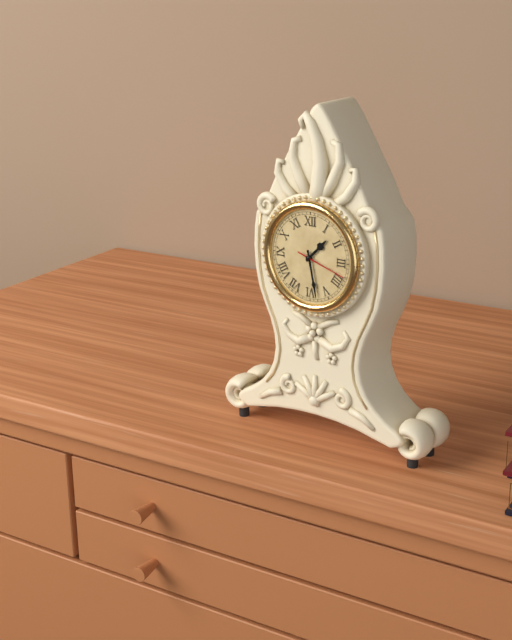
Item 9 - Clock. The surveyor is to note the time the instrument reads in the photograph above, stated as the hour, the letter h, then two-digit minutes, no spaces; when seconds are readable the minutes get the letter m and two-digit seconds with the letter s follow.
1h28m18s
